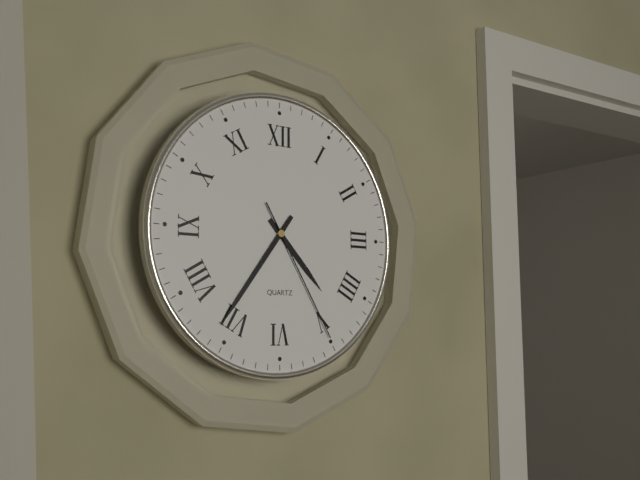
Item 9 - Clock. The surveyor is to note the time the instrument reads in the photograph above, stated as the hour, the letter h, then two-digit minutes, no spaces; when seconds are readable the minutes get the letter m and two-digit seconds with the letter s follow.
4h36m25s
